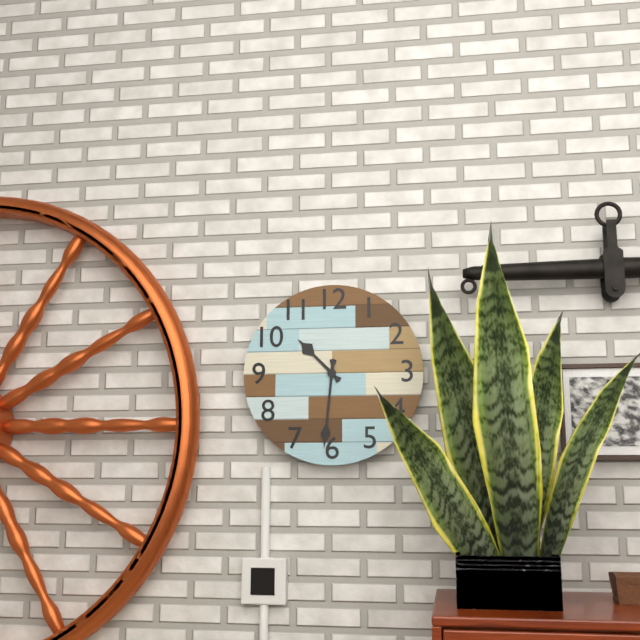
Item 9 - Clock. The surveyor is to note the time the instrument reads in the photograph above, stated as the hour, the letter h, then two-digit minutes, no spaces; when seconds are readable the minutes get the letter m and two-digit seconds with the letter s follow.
10h31
